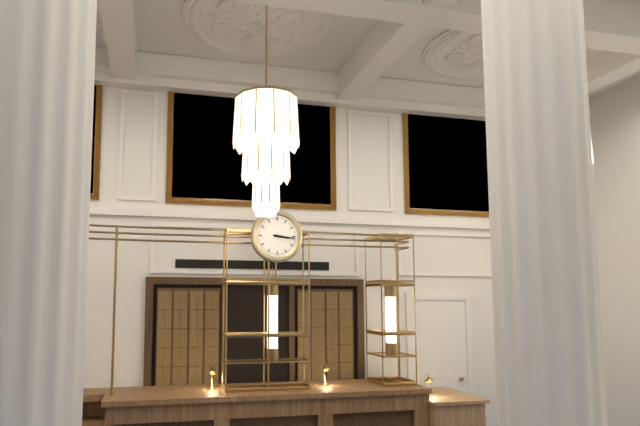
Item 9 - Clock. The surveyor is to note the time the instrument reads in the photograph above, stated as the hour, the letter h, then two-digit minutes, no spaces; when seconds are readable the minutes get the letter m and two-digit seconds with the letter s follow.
3h16
